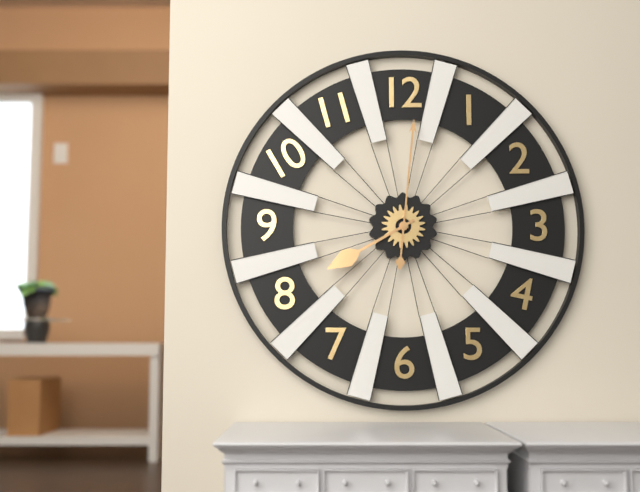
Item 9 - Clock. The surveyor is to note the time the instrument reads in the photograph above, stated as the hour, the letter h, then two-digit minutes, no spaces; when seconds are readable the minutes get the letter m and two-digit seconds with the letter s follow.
8h01
